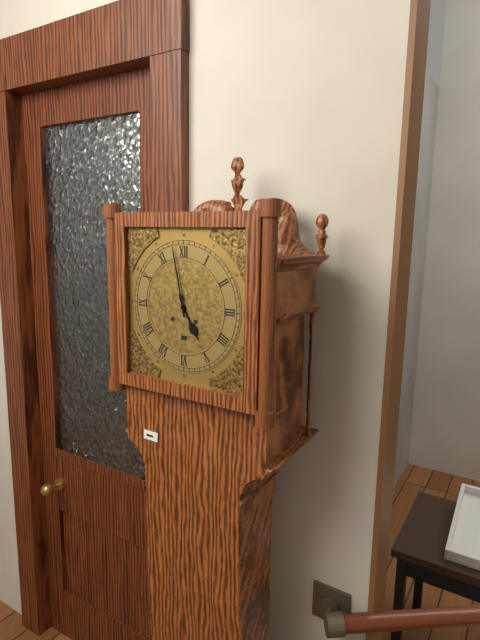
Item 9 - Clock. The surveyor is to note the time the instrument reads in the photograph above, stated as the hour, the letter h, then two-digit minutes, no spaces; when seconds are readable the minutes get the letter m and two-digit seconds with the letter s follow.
4h58
